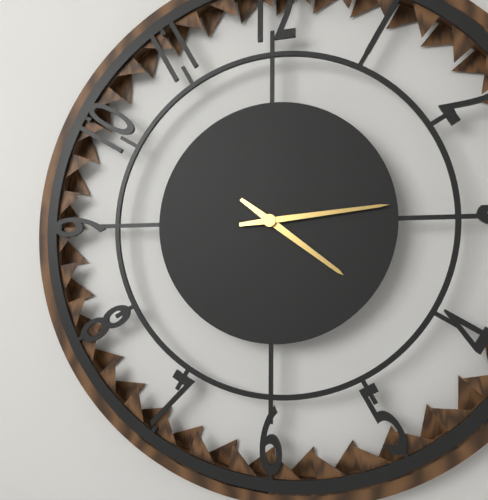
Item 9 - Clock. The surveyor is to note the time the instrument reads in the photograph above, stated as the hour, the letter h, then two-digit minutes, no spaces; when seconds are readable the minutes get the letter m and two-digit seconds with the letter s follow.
4h14
